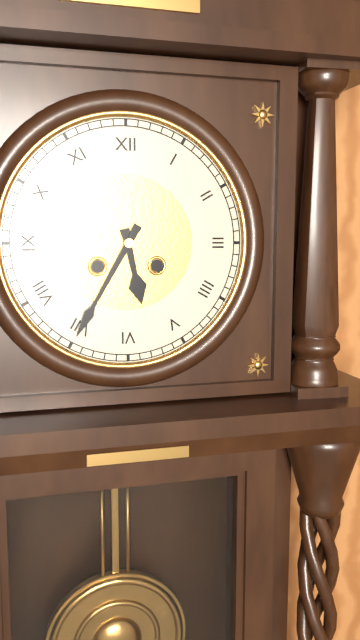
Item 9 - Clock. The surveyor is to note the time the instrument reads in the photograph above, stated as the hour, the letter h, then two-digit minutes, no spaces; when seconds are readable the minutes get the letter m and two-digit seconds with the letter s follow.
5h35
